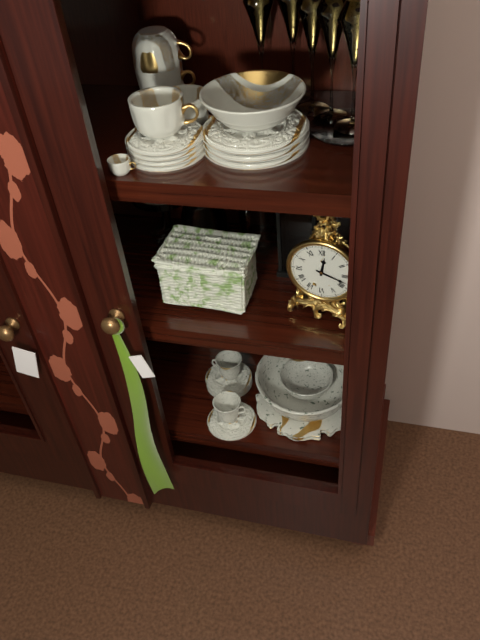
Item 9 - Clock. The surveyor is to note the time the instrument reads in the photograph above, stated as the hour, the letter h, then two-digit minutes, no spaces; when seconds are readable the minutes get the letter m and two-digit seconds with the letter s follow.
12h18
